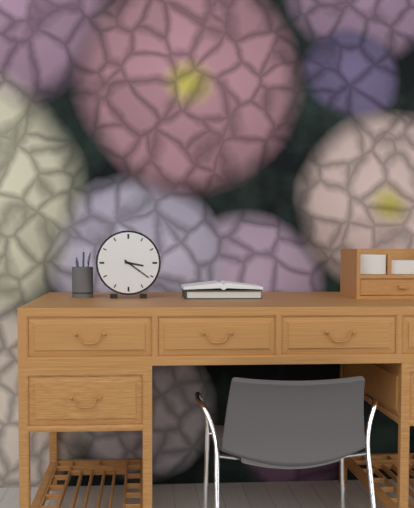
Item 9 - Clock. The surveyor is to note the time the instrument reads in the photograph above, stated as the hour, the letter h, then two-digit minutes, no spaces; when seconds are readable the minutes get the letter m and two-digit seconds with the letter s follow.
3h21
